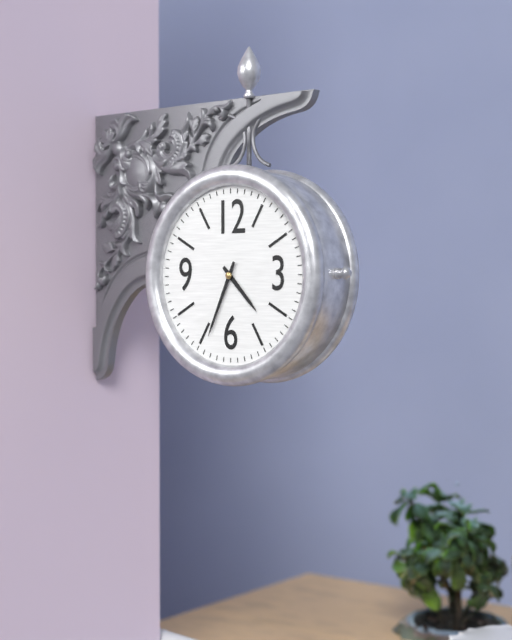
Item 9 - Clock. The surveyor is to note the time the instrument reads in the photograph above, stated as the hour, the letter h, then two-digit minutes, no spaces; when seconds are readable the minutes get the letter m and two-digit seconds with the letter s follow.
4h34
